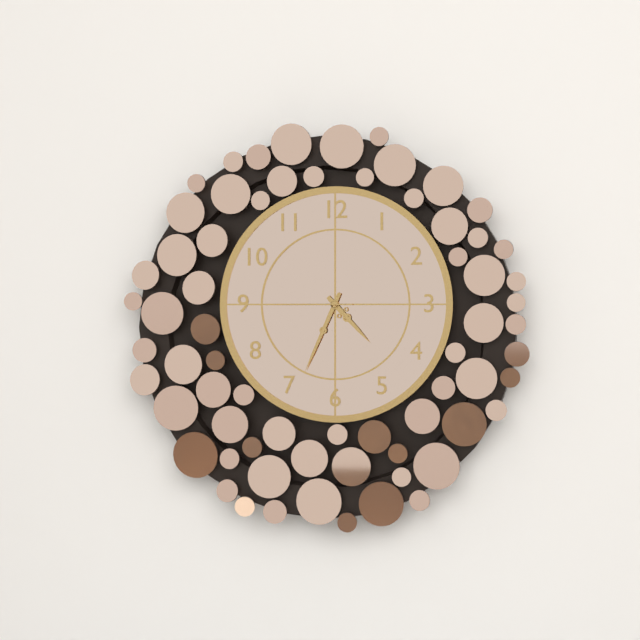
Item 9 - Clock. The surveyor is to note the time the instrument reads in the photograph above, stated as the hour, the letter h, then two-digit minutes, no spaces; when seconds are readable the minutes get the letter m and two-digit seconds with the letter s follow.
4h34m45s
